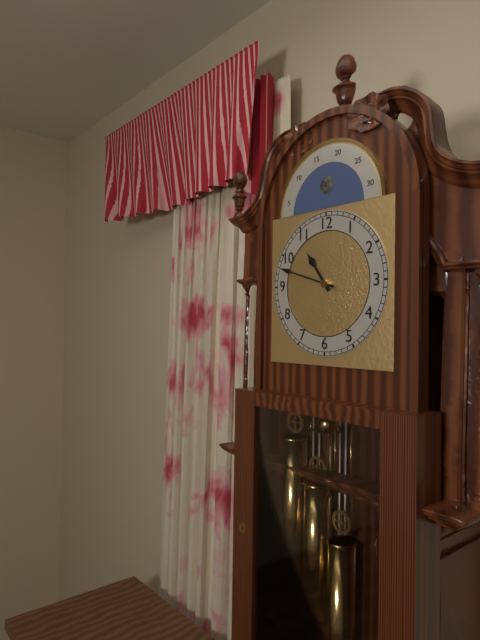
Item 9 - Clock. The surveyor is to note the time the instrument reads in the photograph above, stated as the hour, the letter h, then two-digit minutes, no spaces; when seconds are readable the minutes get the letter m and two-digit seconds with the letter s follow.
10h48
